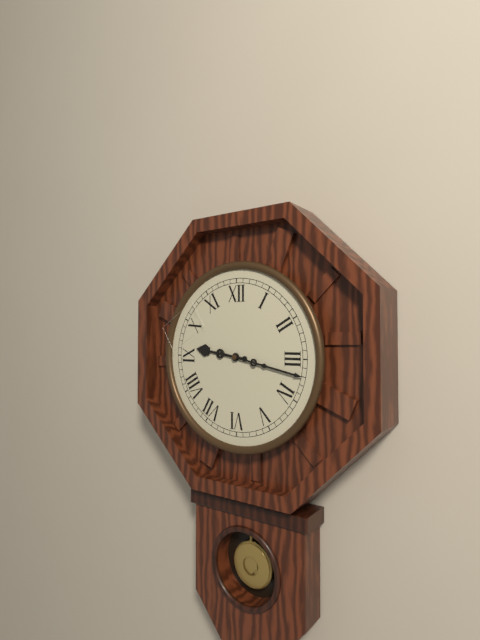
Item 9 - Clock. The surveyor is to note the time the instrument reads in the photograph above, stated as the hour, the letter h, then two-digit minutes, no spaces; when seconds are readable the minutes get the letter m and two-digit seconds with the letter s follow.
9h17
